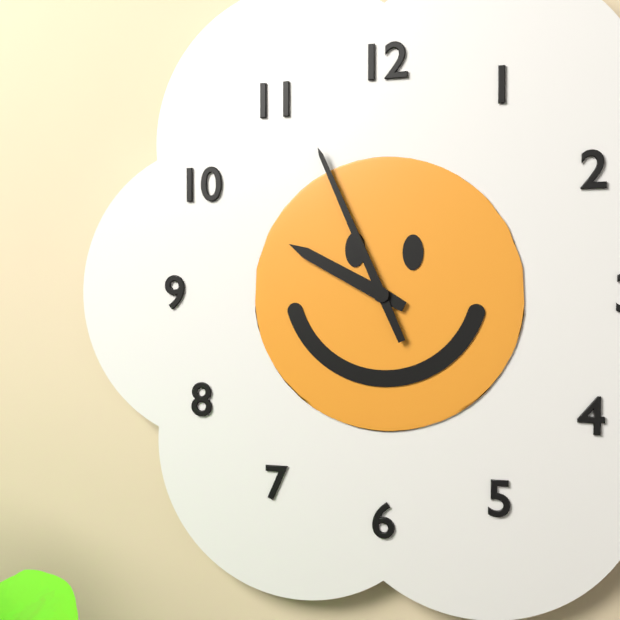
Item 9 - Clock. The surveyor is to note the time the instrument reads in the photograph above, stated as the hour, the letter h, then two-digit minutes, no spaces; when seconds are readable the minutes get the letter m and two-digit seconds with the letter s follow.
9h56
